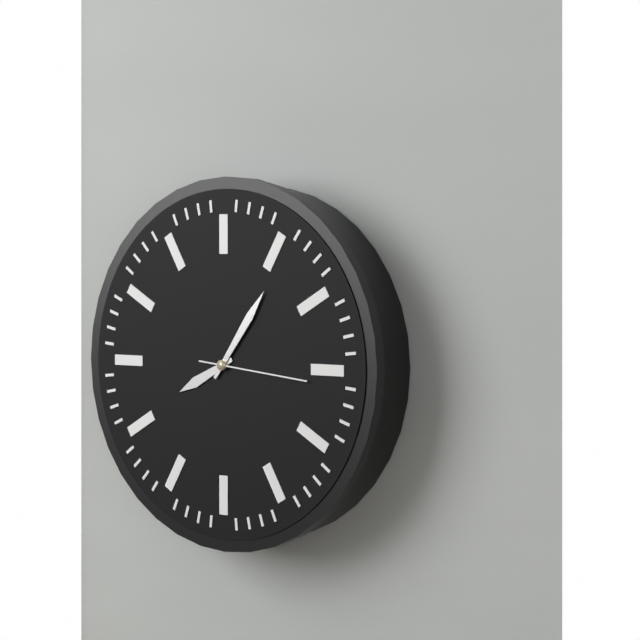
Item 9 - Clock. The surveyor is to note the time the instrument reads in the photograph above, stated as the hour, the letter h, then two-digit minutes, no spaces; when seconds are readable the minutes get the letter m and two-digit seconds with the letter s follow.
8h06m16s
